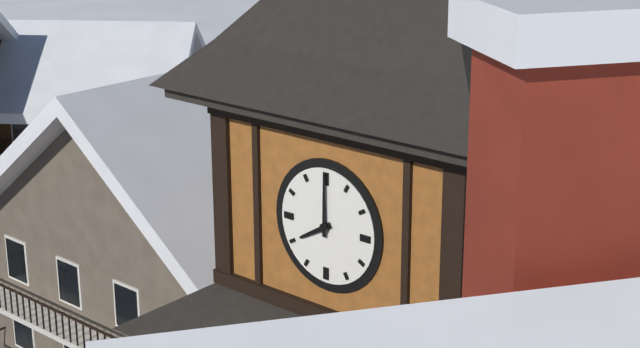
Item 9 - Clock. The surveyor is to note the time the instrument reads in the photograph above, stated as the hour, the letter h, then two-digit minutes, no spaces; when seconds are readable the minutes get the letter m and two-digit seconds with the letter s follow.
8h00
